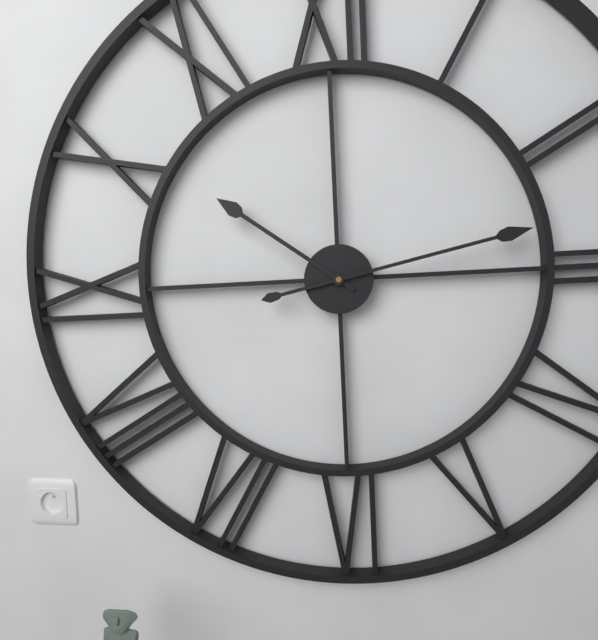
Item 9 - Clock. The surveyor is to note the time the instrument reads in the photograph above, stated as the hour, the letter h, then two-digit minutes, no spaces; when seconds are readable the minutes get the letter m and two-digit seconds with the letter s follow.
10h13
